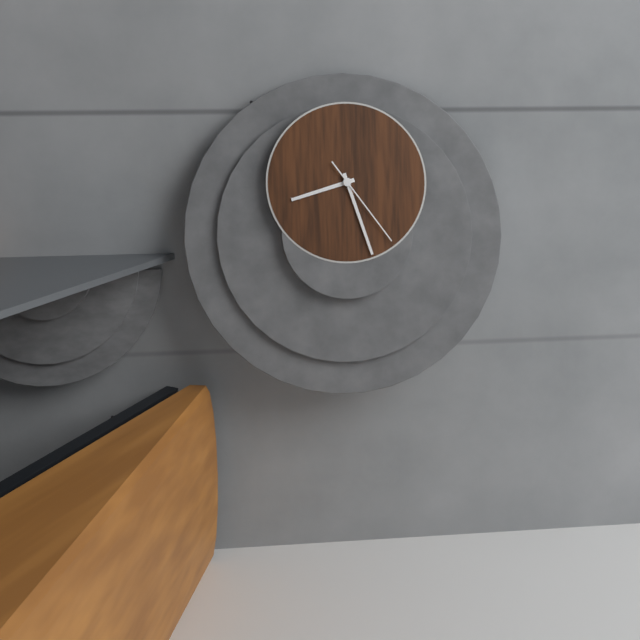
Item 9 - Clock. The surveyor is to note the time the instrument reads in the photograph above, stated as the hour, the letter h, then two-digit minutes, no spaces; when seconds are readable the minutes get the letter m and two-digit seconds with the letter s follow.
8h27m24s
